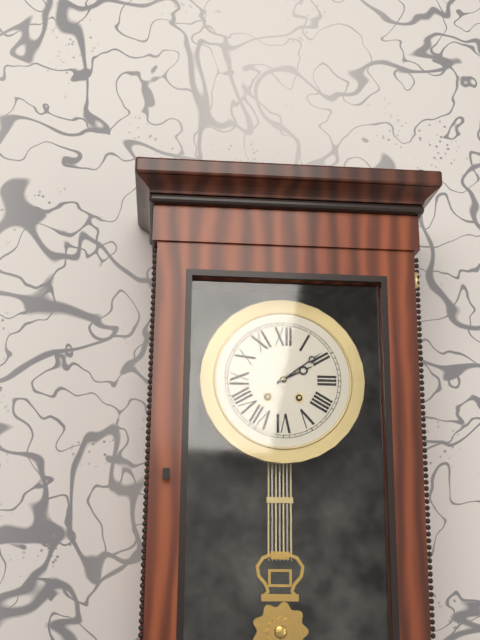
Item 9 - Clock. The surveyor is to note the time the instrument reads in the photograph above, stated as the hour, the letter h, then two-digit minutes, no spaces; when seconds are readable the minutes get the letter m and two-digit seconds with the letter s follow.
2h09
